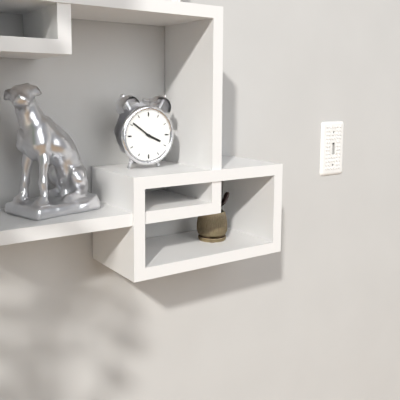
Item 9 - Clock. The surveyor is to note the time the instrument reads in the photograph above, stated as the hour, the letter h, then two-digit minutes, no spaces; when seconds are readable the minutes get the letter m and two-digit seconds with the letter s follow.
3h51
